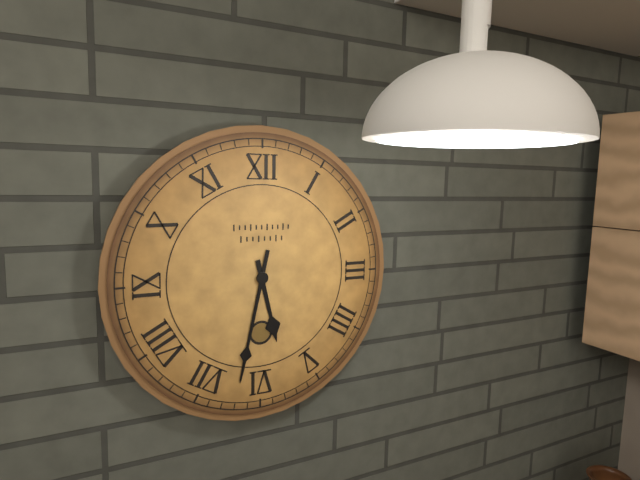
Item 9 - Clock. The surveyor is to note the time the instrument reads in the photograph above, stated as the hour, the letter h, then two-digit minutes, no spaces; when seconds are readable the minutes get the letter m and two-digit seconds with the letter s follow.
5h32
